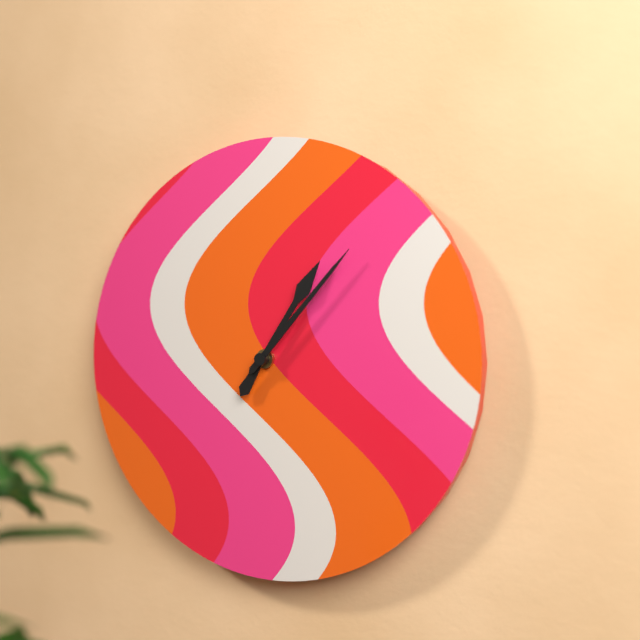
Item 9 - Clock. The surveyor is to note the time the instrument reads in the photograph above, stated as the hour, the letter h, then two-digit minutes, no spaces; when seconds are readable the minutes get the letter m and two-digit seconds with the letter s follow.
1h07
